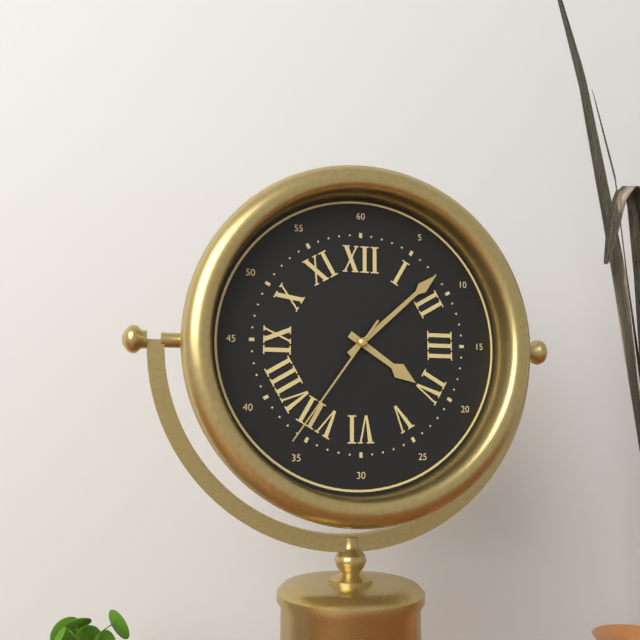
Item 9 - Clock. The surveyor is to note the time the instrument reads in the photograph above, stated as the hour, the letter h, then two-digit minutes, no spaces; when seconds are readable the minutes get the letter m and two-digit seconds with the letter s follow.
4h08m36s
